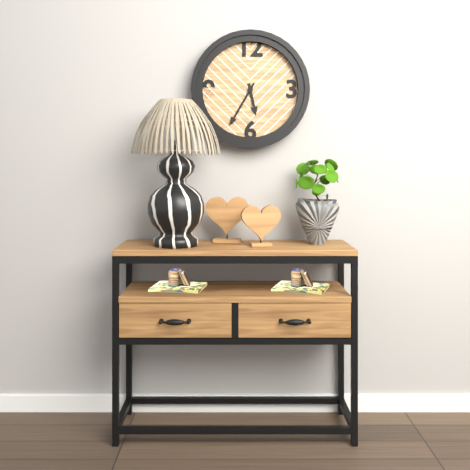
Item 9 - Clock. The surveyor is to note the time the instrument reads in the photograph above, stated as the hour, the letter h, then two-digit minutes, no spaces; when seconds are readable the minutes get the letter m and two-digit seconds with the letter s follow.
5h35
